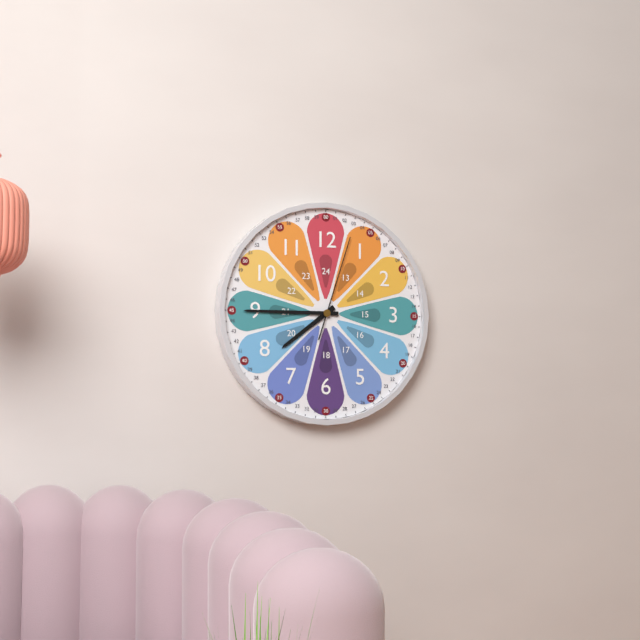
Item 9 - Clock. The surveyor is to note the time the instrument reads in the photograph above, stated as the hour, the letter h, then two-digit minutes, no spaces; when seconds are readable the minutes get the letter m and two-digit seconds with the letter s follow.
7h45m03s
